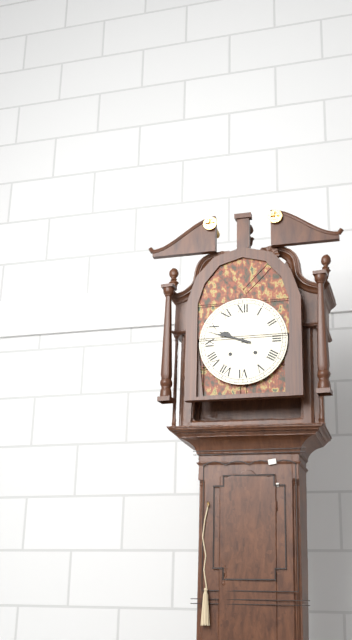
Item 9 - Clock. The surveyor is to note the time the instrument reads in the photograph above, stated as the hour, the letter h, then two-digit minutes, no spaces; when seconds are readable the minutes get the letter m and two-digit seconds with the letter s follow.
9h48
